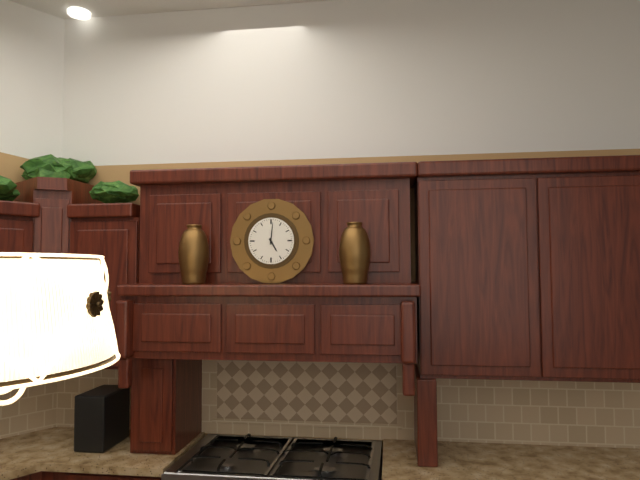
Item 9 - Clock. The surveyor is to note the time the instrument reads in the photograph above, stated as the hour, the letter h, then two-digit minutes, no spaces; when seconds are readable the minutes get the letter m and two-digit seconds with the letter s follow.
5h01
